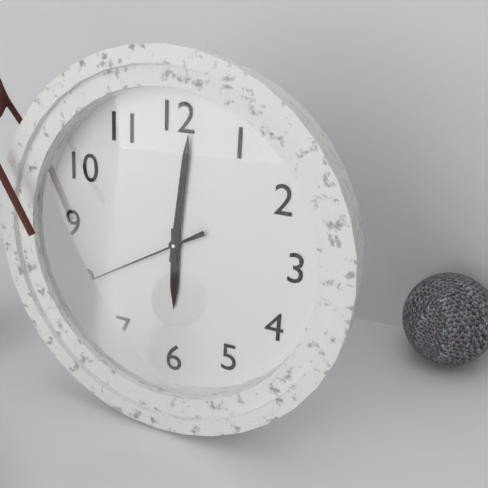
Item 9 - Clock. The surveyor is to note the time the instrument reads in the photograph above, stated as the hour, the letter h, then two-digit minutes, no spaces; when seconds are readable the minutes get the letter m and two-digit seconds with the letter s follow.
6h01m40s
